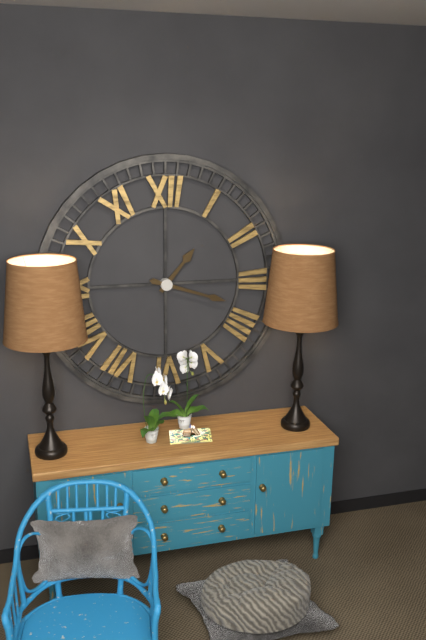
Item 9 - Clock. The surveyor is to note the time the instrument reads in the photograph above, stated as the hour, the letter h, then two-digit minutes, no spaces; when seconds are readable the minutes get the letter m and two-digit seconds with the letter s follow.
1h18
